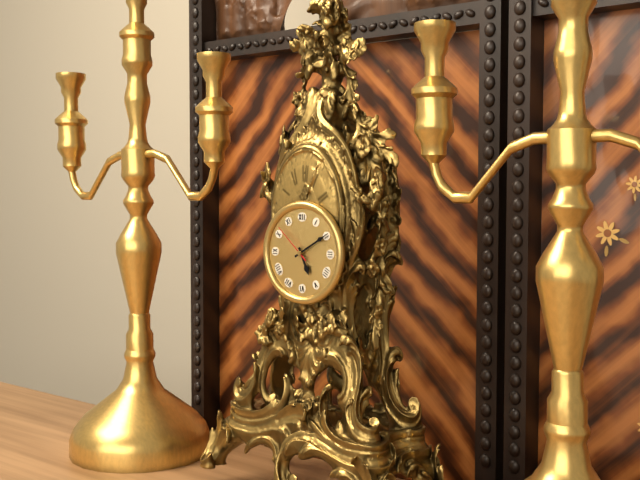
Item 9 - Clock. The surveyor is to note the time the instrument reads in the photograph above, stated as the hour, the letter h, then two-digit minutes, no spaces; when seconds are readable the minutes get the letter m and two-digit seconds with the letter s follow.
5h10
